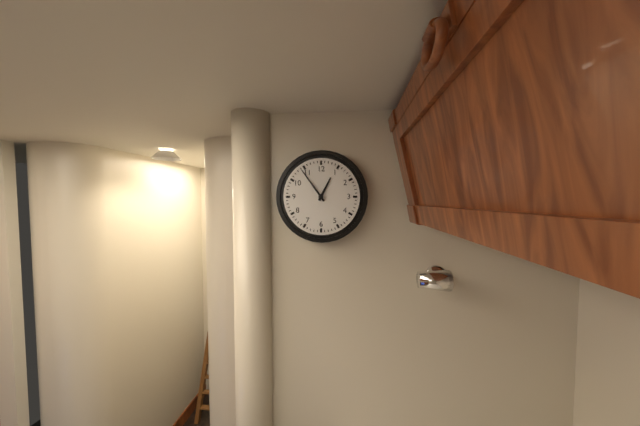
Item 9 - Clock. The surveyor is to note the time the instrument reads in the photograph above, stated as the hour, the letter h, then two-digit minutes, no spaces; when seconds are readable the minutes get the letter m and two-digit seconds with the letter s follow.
12h54
